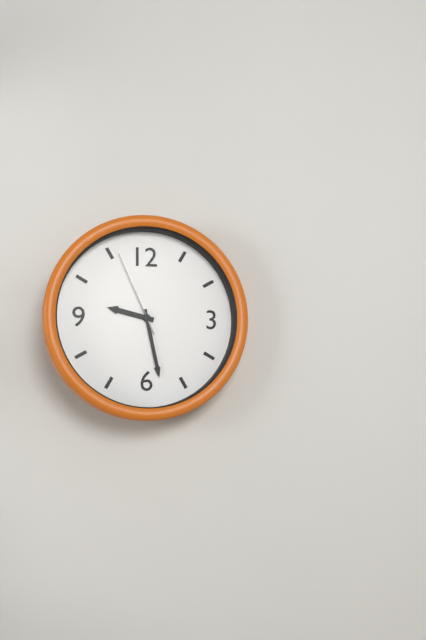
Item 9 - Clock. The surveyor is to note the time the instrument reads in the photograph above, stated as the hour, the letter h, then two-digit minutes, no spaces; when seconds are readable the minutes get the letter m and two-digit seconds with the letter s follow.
9h28m56s
